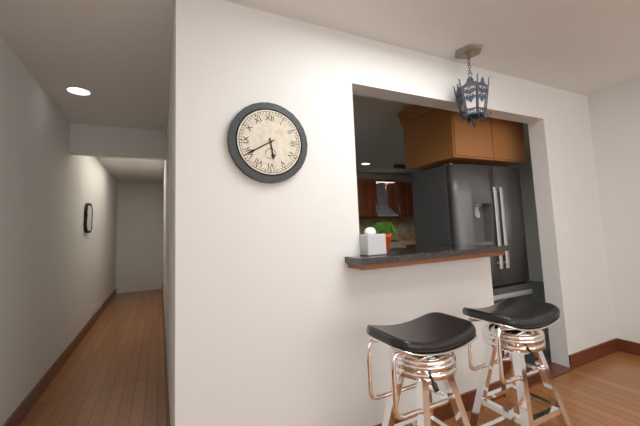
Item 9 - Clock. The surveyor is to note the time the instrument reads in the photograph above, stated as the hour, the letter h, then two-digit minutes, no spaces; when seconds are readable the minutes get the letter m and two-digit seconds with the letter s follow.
5h40
